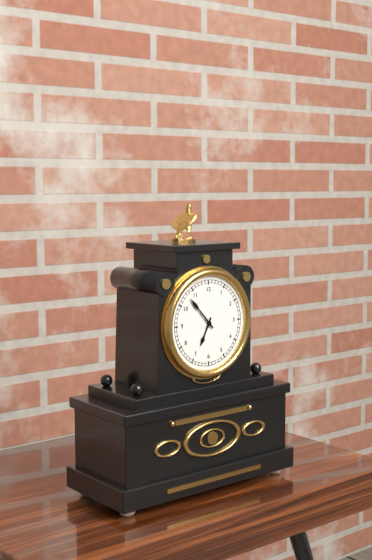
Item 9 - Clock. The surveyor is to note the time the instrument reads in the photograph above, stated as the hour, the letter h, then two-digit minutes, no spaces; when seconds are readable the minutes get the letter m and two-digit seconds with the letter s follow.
6h53
